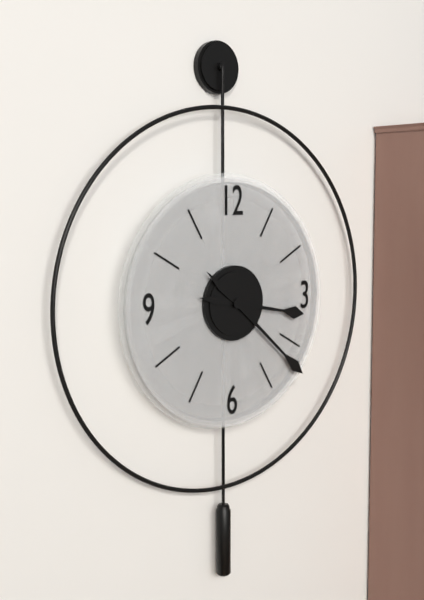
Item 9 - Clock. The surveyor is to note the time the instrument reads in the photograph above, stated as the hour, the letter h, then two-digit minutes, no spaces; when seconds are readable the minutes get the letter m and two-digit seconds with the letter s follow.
3h22
